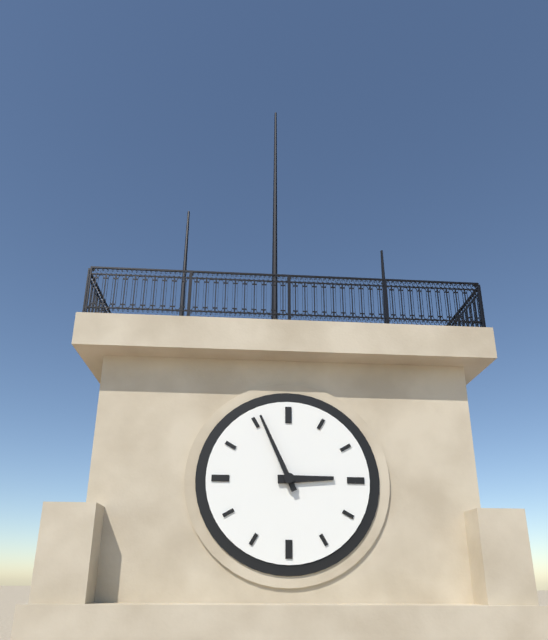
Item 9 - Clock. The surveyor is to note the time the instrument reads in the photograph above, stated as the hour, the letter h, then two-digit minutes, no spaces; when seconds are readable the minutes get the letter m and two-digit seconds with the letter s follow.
2h56
